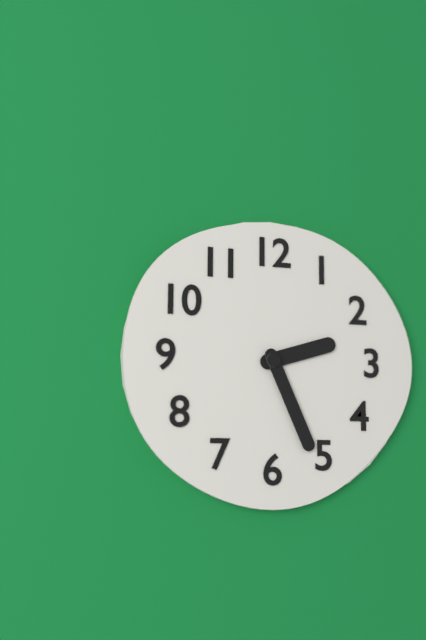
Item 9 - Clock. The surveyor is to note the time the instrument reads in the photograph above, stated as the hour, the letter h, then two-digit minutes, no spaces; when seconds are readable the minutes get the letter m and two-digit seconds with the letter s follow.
2h26
